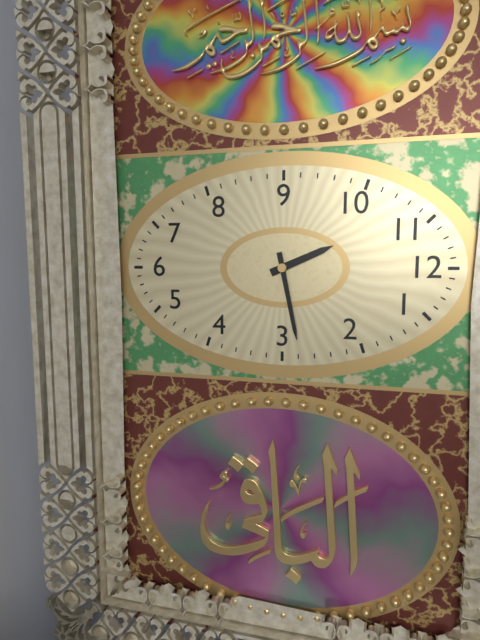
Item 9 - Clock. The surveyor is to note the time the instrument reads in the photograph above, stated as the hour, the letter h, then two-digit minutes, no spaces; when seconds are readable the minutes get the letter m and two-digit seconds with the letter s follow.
11h13
